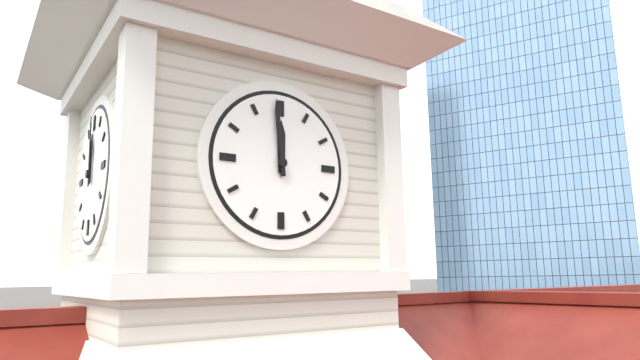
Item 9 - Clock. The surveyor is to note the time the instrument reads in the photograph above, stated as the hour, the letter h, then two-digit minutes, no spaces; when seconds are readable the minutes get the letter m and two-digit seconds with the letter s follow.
11h59
